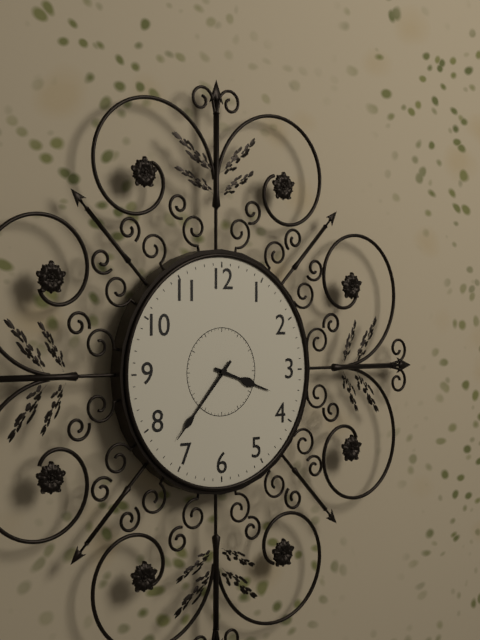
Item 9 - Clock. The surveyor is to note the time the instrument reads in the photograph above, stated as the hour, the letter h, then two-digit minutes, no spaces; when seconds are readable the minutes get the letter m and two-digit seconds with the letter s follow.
3h37
